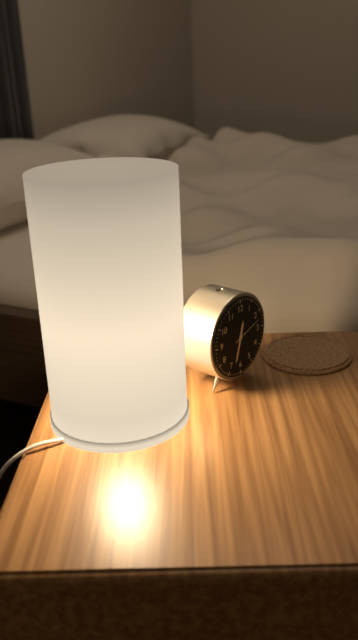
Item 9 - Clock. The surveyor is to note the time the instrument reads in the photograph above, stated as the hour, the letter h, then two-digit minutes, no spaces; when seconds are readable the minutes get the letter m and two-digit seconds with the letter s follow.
12h33
